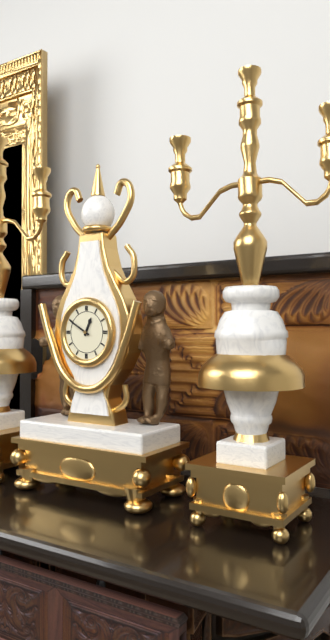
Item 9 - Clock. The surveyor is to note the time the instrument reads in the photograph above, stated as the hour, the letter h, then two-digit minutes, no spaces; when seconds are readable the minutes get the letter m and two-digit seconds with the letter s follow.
12h50
